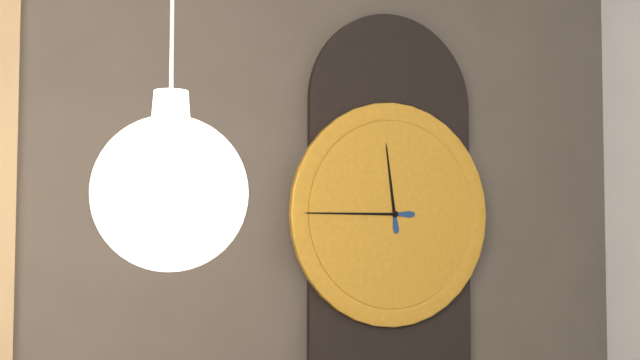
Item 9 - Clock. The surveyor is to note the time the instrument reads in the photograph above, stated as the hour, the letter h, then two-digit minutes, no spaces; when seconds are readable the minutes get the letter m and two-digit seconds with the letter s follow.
11h45
